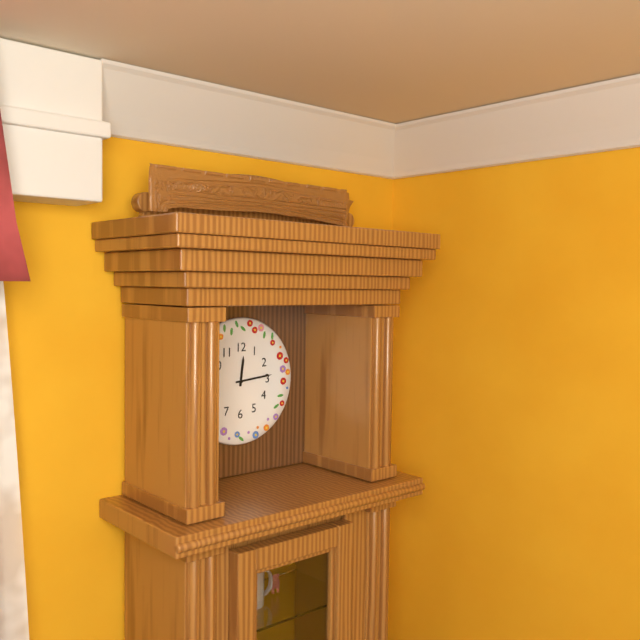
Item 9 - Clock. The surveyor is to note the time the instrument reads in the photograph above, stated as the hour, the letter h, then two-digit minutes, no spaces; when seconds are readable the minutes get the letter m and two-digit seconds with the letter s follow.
12h14
